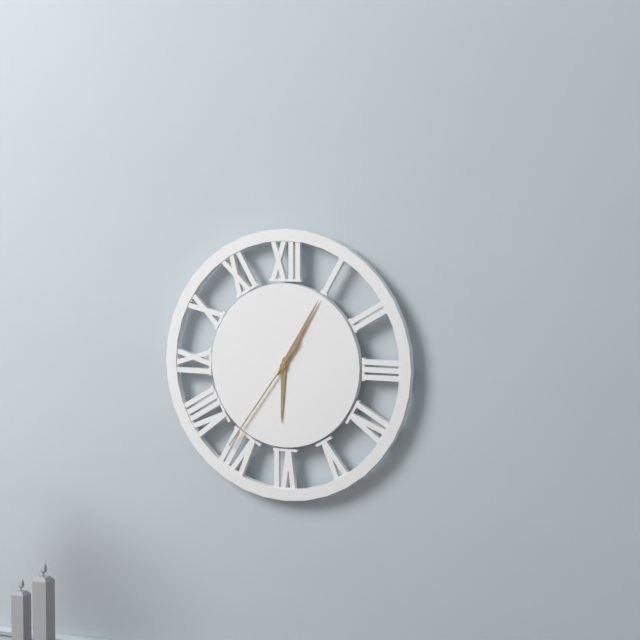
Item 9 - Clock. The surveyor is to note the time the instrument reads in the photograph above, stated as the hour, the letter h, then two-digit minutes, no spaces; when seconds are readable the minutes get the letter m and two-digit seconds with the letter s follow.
6h05m36s
